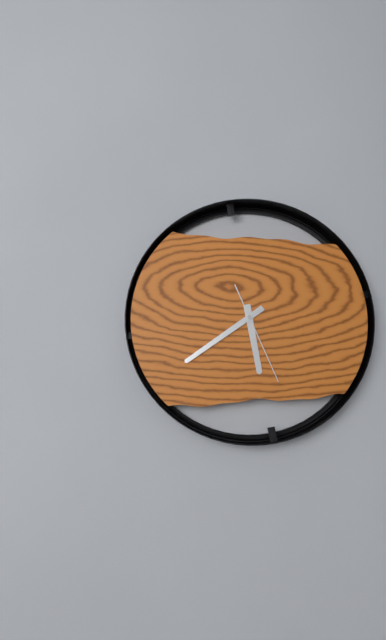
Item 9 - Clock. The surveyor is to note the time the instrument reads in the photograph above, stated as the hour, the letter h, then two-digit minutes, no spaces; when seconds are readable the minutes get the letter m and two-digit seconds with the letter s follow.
5h39m26s
